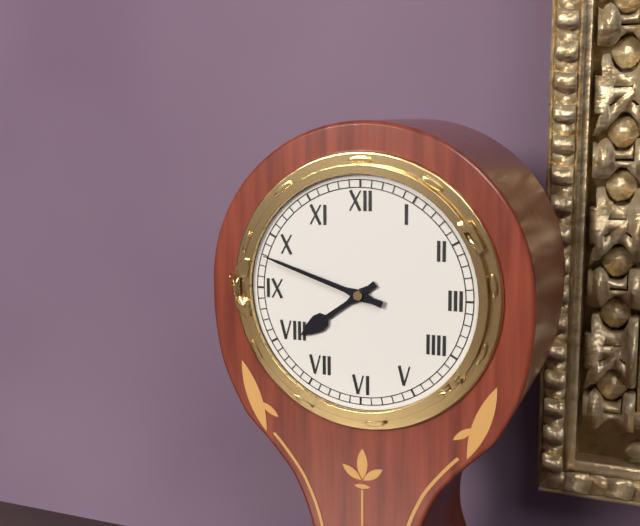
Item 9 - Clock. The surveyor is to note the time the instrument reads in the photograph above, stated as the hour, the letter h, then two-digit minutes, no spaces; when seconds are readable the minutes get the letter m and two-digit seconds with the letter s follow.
7h48
